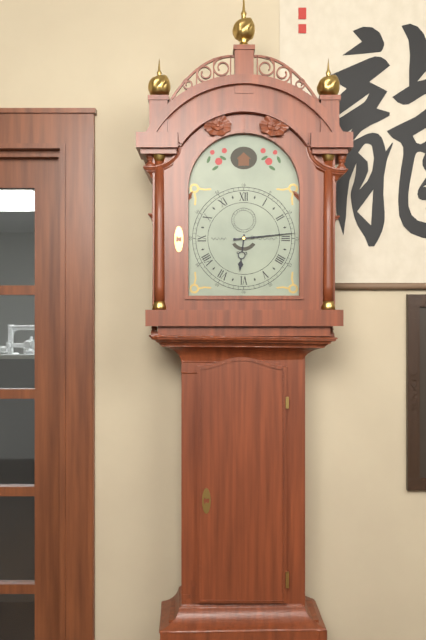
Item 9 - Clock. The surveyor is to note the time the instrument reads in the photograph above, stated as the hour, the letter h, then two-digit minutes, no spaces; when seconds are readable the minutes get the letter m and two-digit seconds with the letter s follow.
6h14
